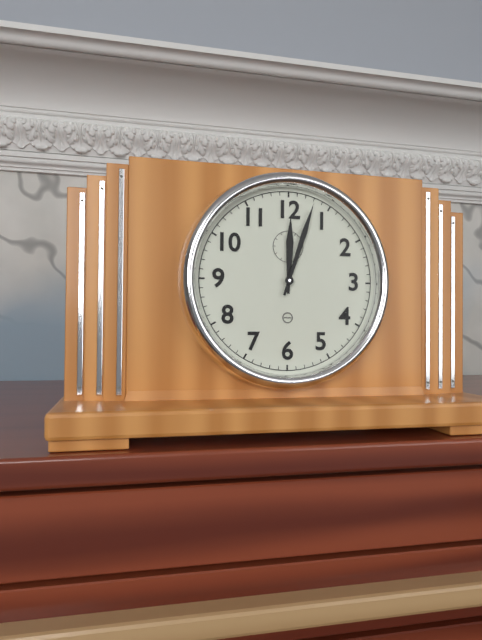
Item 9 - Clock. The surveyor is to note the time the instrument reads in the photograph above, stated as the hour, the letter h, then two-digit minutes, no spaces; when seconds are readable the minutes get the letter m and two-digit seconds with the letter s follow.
12h03
